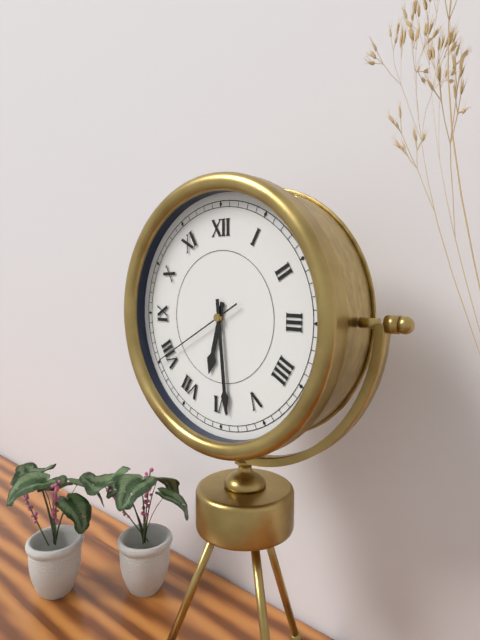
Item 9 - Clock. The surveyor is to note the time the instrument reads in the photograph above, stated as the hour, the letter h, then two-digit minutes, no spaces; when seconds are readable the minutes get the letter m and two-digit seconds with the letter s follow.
6h29m40s
